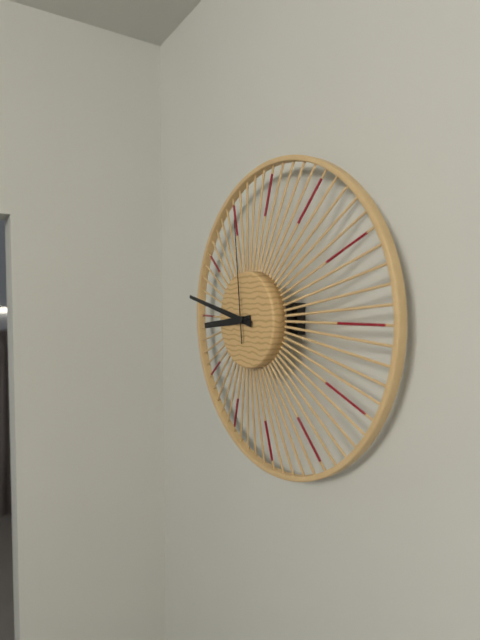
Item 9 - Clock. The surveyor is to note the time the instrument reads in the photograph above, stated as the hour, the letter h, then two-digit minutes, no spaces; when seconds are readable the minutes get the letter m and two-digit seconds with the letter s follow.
8h47m59s
